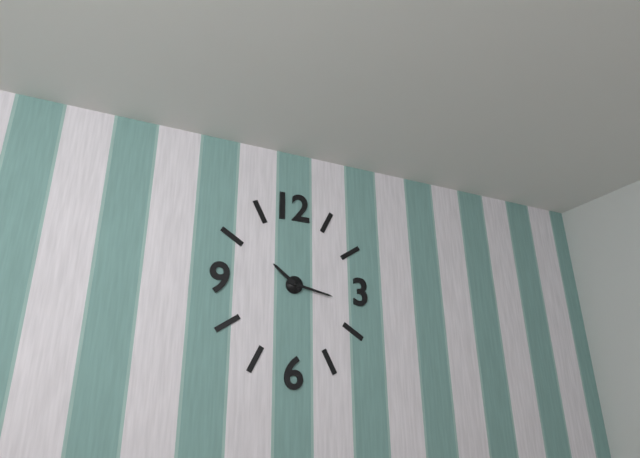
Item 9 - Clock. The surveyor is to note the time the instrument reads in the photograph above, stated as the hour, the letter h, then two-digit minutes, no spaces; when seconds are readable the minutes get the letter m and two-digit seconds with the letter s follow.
10h17
